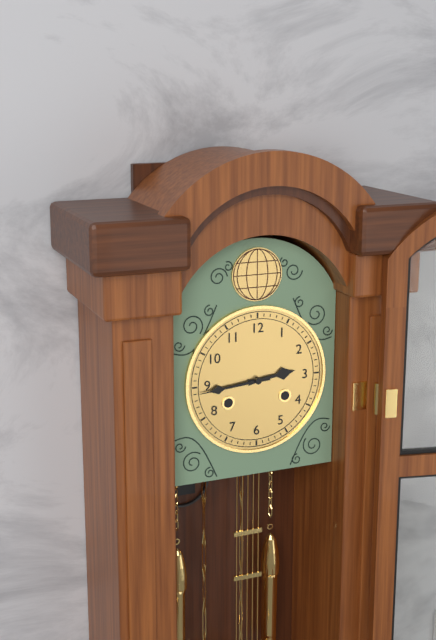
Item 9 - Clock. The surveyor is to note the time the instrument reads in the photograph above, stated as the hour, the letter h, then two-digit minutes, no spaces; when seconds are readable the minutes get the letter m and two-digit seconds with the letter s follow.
2h44
